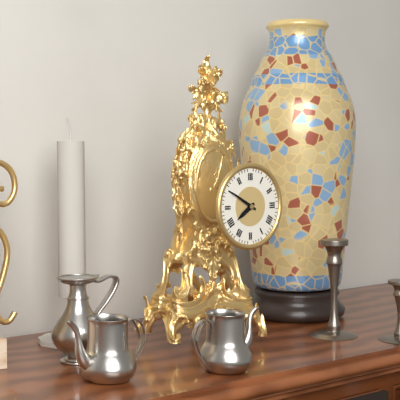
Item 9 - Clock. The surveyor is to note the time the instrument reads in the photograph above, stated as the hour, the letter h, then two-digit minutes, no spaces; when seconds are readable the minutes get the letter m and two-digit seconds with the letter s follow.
7h50
